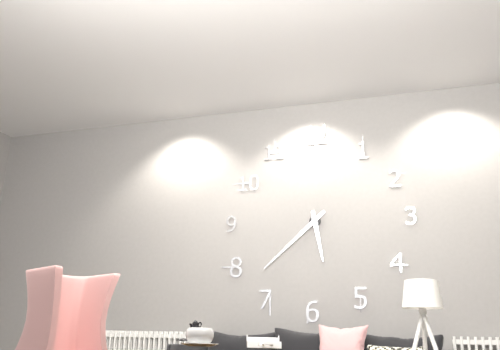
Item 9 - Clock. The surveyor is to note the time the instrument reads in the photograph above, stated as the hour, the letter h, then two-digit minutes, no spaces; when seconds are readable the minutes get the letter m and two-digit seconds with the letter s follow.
5h38
